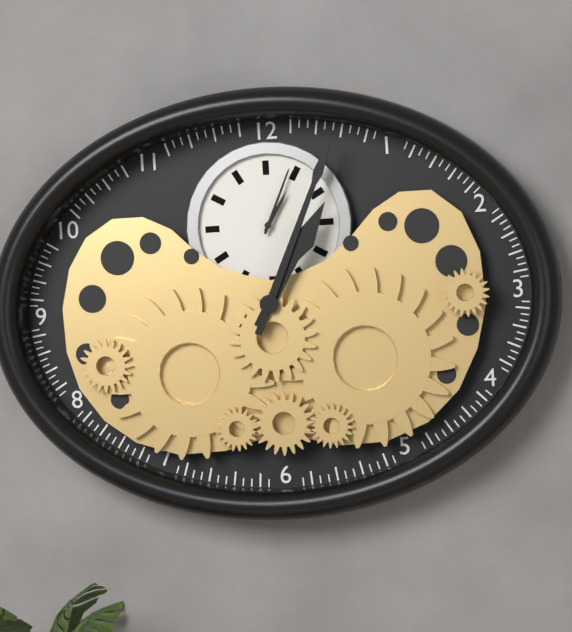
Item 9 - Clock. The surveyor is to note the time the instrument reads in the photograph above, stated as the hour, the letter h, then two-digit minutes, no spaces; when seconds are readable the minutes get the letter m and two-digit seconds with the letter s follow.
1h04
